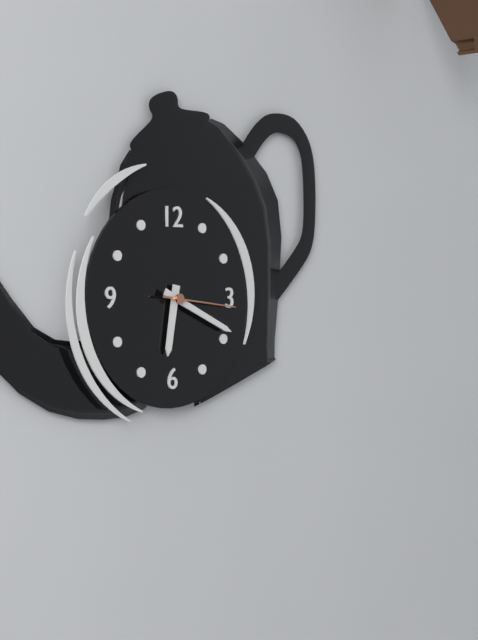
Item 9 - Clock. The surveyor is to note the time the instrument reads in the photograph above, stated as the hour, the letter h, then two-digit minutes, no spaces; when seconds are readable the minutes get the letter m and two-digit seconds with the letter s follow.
6h19m16s
